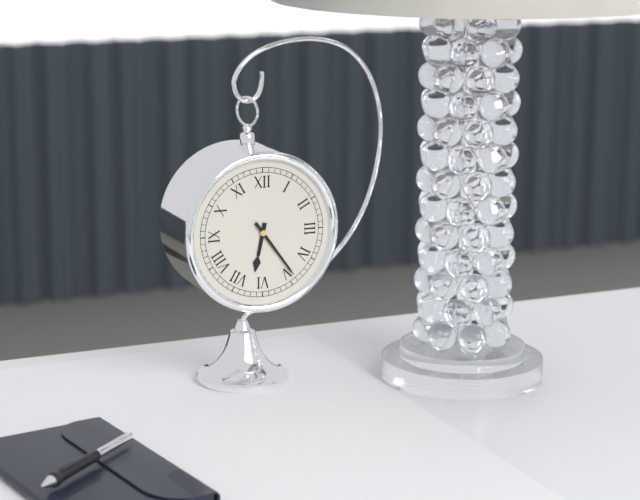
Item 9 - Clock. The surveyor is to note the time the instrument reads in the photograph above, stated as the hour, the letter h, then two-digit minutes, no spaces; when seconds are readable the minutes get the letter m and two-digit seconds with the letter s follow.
6h24
